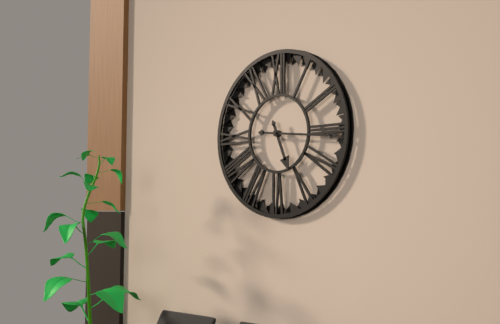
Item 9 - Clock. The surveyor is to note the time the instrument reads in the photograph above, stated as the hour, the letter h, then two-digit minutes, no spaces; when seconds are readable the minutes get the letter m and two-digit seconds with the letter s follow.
5h16
